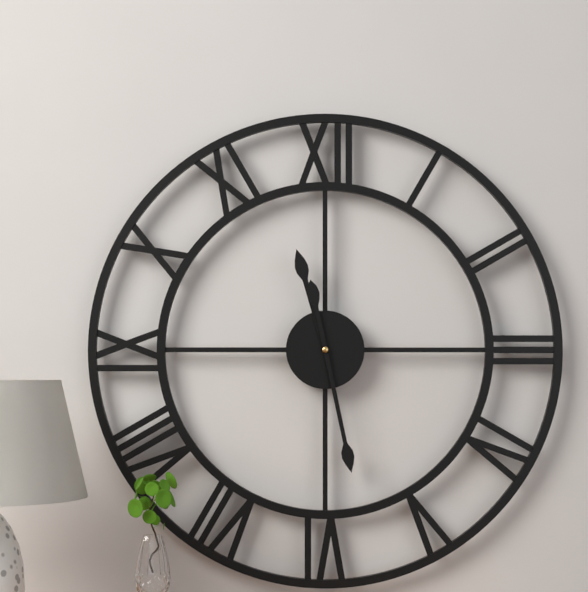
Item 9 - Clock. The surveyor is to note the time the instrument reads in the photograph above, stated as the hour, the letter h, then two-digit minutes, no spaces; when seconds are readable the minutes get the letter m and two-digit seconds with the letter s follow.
11h28
